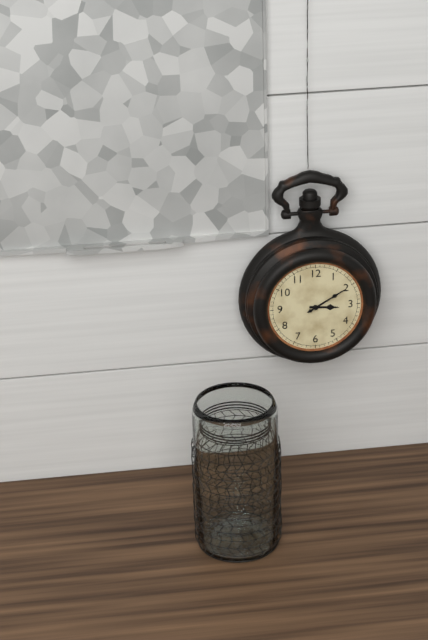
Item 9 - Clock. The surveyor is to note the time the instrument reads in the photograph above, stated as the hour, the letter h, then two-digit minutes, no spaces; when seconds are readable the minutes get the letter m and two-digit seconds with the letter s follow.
3h10
